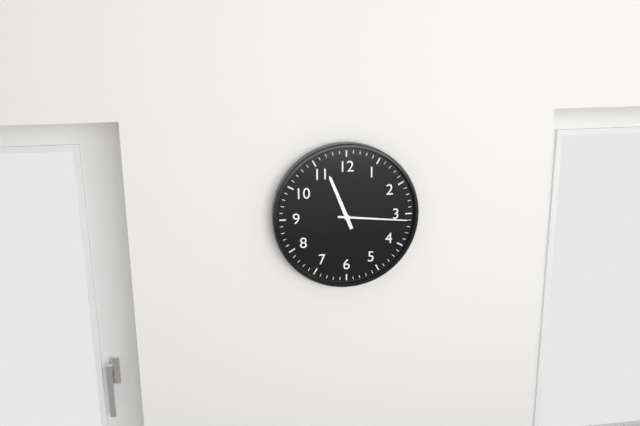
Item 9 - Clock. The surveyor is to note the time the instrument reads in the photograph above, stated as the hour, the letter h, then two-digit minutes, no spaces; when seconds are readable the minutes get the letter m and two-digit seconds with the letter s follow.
11h16
